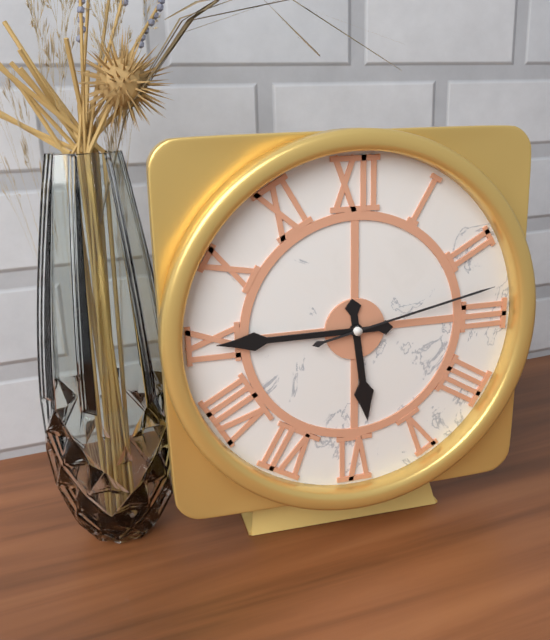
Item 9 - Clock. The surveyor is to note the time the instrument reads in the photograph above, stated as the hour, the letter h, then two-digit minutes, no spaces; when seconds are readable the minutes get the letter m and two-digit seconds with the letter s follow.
5h45m13s
